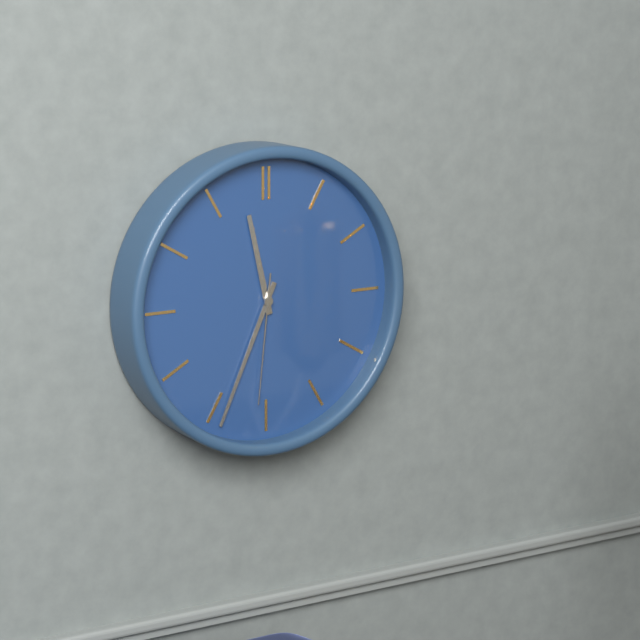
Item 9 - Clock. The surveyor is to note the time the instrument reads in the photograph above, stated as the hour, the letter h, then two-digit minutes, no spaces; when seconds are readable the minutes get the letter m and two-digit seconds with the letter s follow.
11h34m31s
